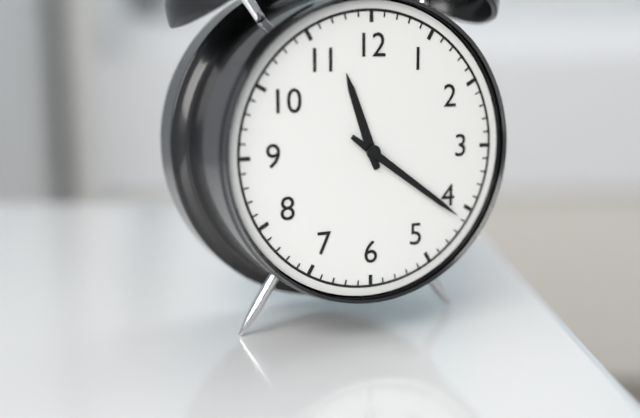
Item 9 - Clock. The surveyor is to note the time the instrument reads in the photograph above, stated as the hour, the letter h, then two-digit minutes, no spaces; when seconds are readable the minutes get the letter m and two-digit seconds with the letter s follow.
11h21
